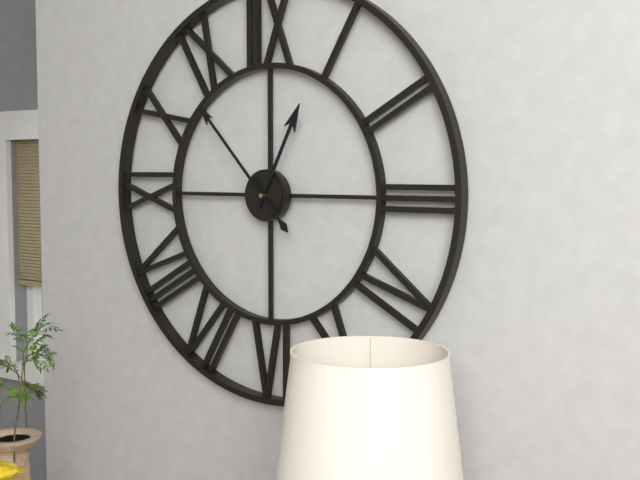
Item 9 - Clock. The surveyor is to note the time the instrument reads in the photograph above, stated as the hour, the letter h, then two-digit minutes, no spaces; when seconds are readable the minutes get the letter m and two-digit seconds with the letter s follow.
12h53
